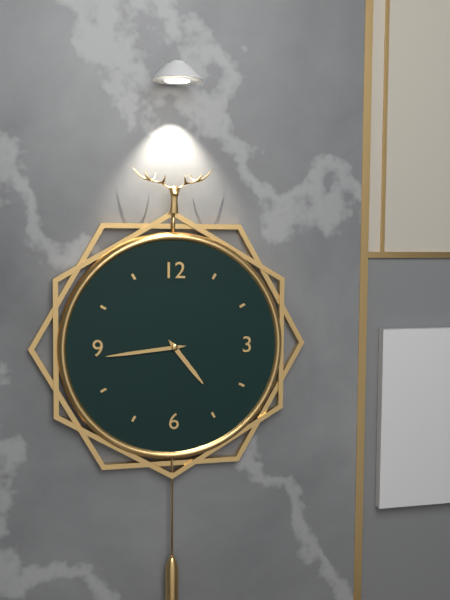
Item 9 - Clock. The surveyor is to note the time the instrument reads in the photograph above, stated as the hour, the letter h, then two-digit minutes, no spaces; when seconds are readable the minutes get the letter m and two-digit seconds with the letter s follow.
4h44
